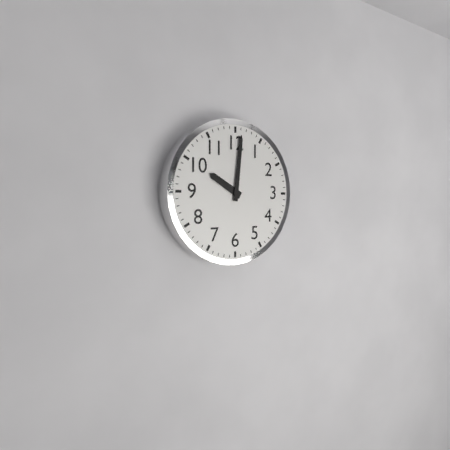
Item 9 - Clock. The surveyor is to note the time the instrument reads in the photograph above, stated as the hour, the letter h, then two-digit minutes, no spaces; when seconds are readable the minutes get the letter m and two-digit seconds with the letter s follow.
10h01
